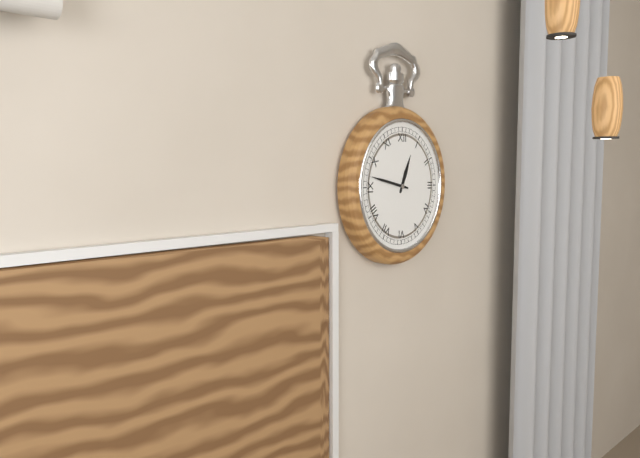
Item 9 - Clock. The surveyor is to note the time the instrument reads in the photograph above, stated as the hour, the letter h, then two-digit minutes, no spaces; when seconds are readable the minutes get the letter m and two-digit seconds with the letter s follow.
12h47
